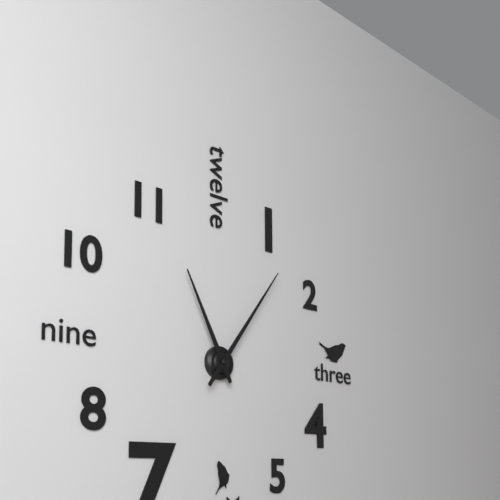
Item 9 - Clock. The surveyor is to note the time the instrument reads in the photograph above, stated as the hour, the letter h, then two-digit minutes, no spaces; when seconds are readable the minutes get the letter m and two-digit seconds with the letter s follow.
11h06
